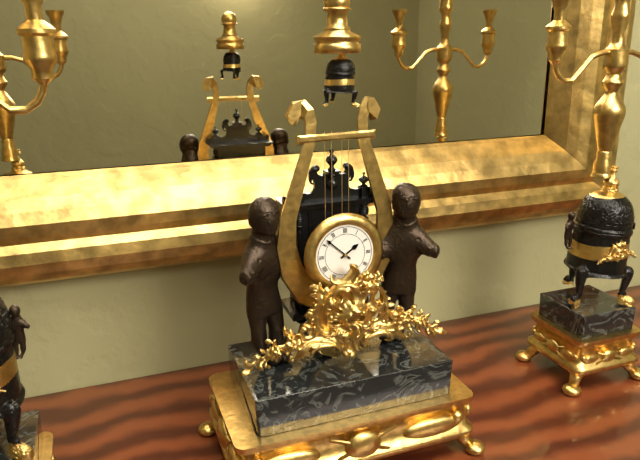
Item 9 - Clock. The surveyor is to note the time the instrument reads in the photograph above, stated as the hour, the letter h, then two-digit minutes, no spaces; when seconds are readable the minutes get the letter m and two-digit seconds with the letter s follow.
1h52
